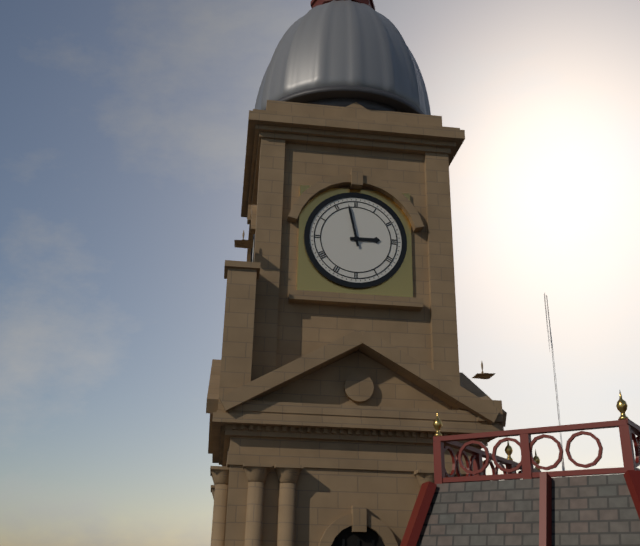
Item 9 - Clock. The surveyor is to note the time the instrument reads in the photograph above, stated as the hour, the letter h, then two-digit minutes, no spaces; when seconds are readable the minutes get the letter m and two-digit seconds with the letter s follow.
2h58
